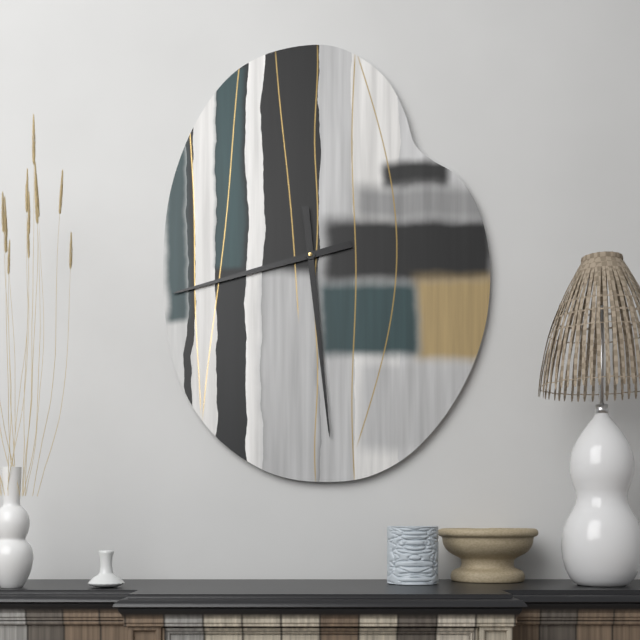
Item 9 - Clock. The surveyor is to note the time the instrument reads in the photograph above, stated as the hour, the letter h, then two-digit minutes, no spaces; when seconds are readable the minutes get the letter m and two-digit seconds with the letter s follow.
8h29
